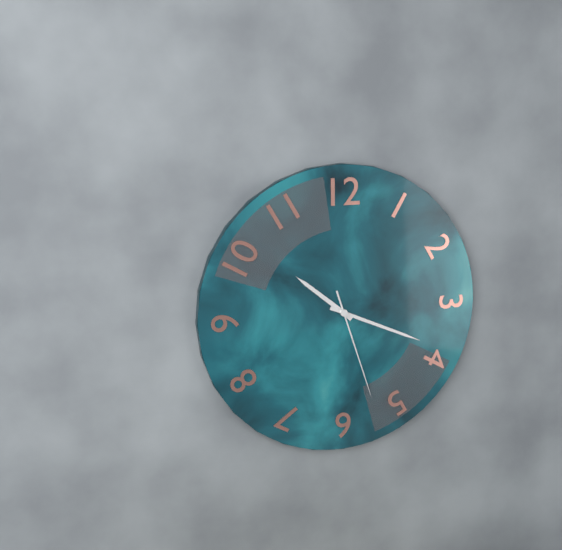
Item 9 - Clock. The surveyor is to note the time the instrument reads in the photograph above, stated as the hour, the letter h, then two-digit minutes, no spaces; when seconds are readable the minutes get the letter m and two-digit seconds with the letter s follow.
10h19m27s
